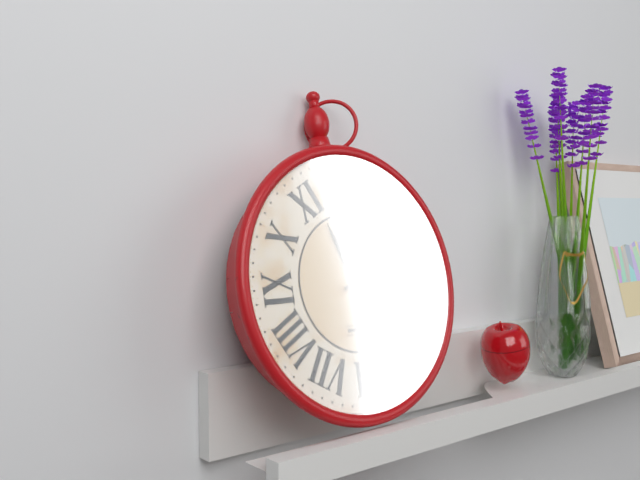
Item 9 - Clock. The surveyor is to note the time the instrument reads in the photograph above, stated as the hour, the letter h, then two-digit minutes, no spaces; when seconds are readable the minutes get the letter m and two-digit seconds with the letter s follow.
11h12
